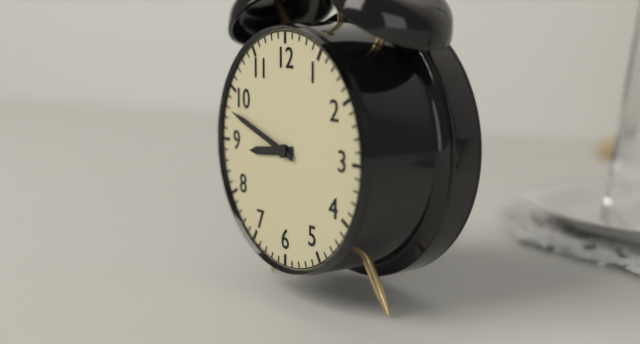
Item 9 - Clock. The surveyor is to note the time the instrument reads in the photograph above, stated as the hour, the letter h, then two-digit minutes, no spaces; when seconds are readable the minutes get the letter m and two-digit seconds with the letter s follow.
8h48
